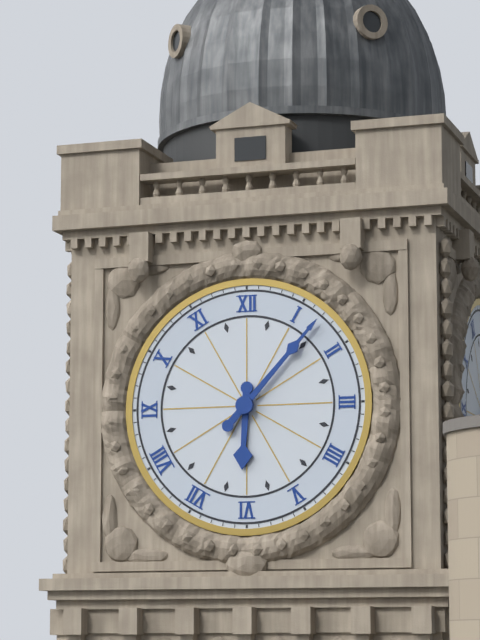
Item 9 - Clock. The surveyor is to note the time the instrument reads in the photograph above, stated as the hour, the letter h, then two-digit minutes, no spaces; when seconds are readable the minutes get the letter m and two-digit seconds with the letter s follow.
6h07
